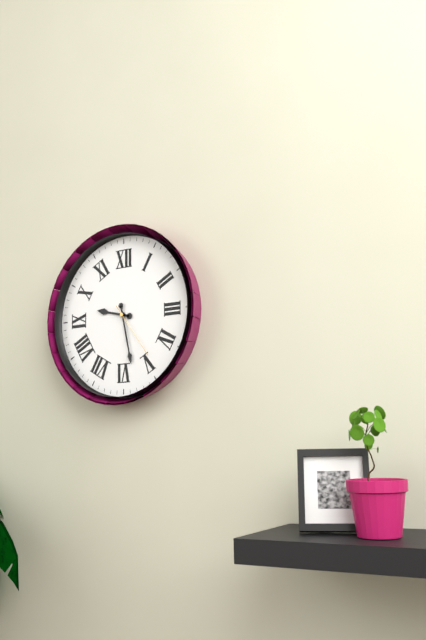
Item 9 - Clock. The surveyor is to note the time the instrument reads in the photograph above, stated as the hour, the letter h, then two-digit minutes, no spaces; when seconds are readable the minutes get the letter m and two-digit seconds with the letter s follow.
9h28m24s
